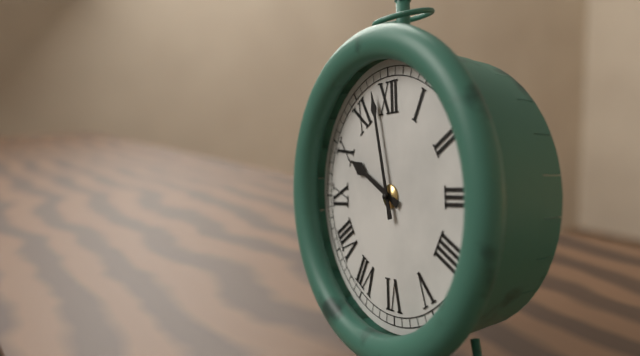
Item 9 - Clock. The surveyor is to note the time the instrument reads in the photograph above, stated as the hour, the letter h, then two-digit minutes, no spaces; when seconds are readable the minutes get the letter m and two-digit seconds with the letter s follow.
9h58
